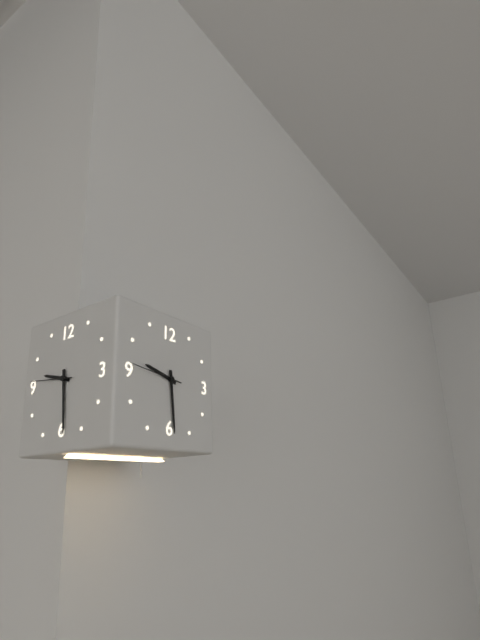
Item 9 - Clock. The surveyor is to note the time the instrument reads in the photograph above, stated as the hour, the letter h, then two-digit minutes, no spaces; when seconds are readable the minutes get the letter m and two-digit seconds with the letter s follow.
9h29m46s
